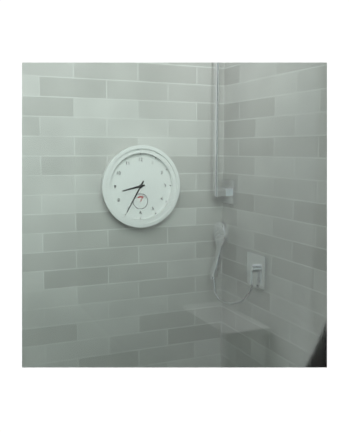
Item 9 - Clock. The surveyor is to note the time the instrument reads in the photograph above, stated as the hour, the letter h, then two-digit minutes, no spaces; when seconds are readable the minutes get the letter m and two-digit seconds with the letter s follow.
8h35
